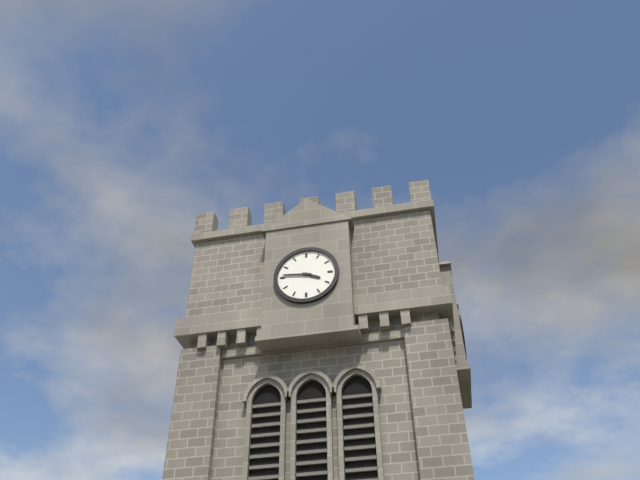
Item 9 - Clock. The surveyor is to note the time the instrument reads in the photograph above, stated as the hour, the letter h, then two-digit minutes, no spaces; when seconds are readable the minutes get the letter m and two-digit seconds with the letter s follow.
3h46
